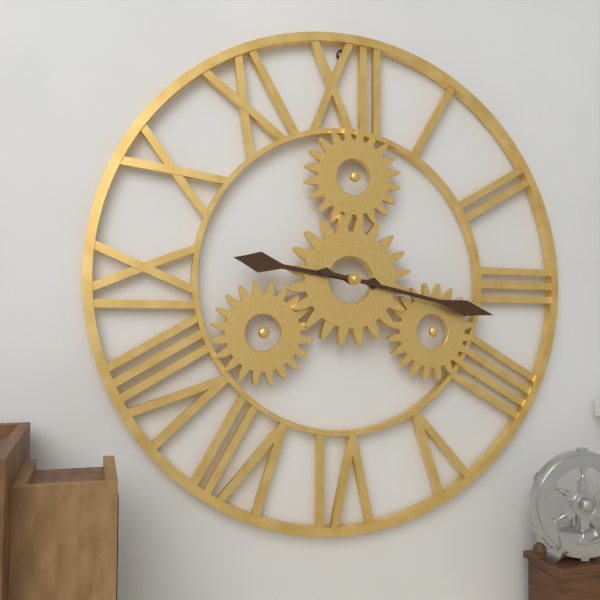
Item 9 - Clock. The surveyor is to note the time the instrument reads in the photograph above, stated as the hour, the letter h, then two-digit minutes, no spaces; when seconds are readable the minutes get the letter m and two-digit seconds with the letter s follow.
9h17
